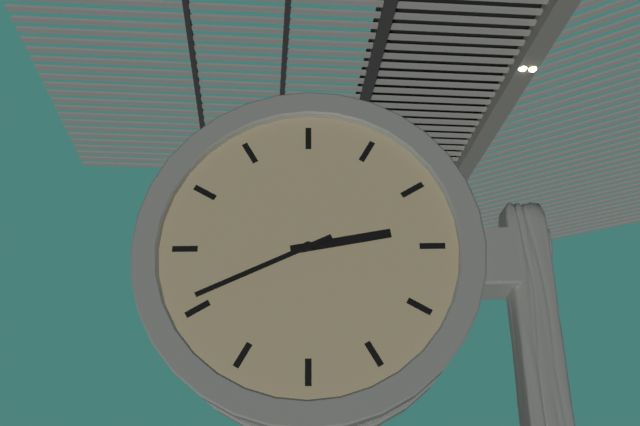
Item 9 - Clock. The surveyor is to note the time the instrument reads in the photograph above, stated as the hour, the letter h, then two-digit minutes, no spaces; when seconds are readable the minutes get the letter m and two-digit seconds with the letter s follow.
2h41
